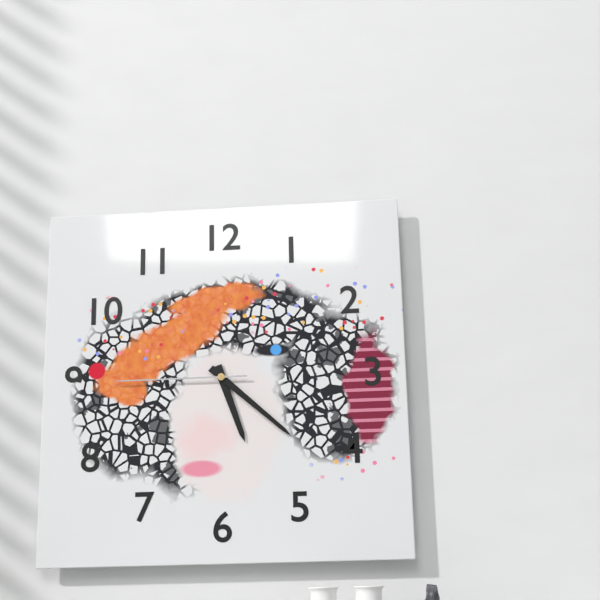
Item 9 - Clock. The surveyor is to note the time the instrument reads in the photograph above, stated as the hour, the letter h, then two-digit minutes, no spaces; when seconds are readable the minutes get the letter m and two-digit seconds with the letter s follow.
5h22m45s
